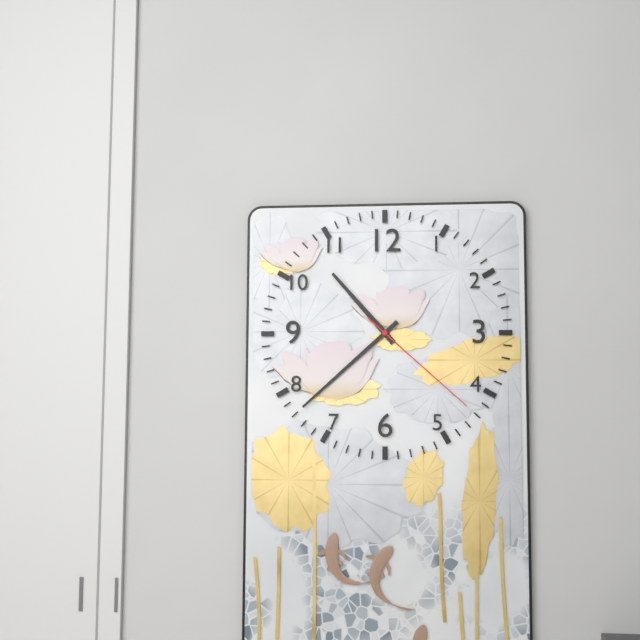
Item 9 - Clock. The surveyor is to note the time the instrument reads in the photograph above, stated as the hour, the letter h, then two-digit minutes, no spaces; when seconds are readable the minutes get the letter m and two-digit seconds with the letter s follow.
10h38m22s
